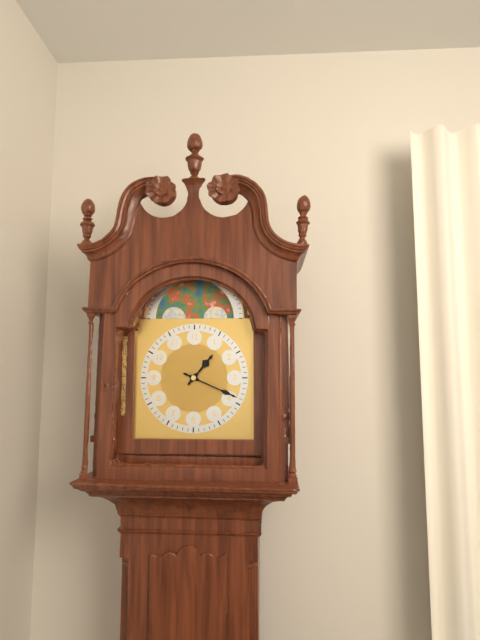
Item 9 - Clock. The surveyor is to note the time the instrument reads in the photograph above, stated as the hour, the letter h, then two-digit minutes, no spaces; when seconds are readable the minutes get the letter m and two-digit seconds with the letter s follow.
1h19
